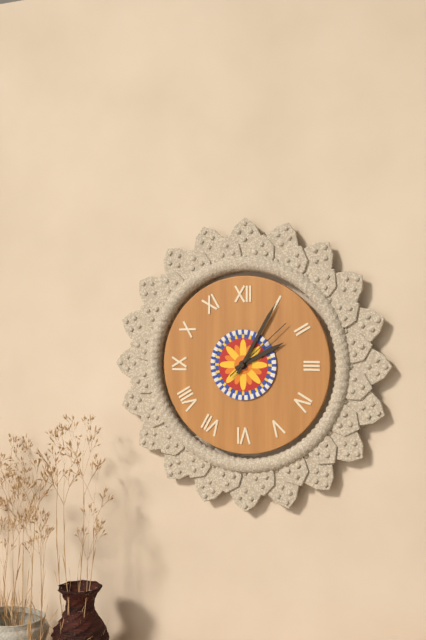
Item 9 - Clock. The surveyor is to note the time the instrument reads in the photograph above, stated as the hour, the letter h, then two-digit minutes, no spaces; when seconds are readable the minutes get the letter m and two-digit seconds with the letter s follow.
2h05m08s
